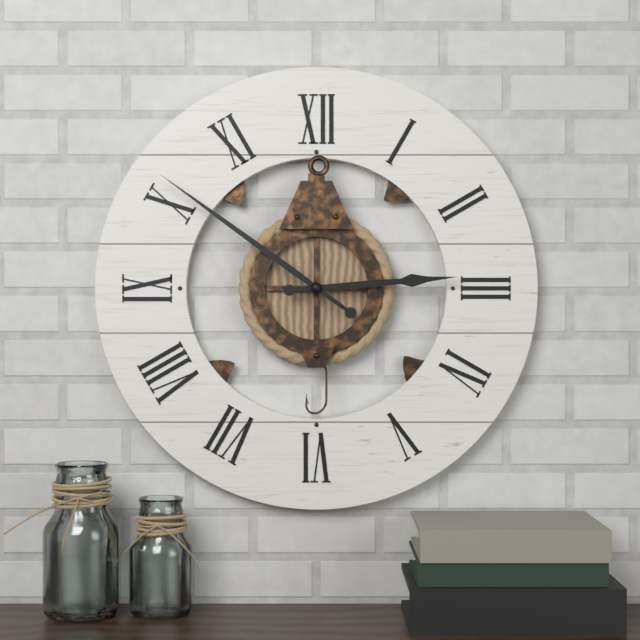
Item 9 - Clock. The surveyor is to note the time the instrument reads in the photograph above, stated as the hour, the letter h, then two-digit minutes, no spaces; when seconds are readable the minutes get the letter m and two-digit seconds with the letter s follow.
2h51
